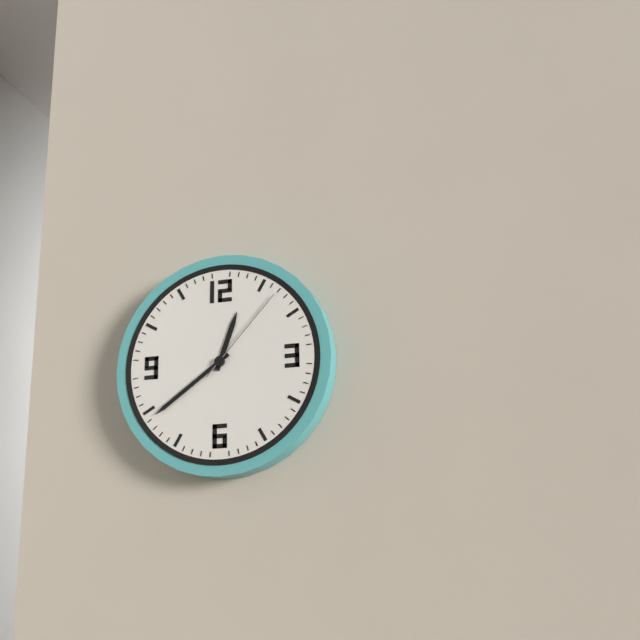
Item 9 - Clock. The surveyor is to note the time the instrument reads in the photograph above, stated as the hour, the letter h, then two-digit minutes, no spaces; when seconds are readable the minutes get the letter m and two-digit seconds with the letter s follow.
12h39m07s
